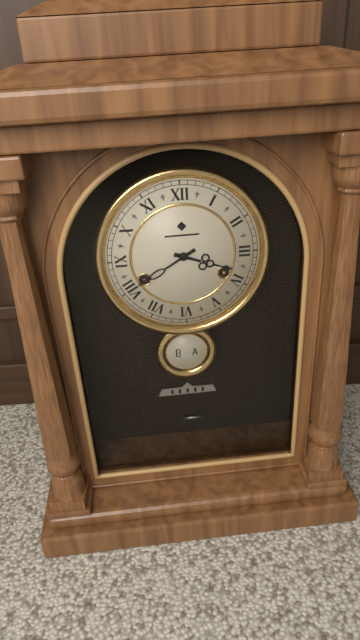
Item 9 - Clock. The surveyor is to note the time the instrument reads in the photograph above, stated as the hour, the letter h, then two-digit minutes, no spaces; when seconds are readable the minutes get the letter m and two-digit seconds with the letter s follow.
3h40
